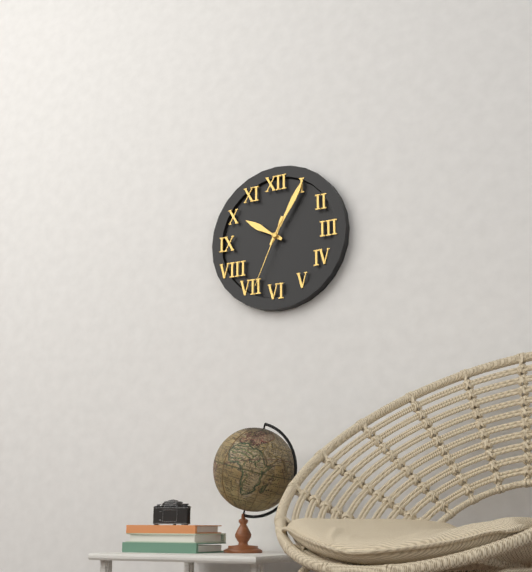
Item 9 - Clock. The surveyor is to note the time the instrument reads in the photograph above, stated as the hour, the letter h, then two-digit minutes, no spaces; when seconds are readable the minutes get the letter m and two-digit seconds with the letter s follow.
10h05m34s
